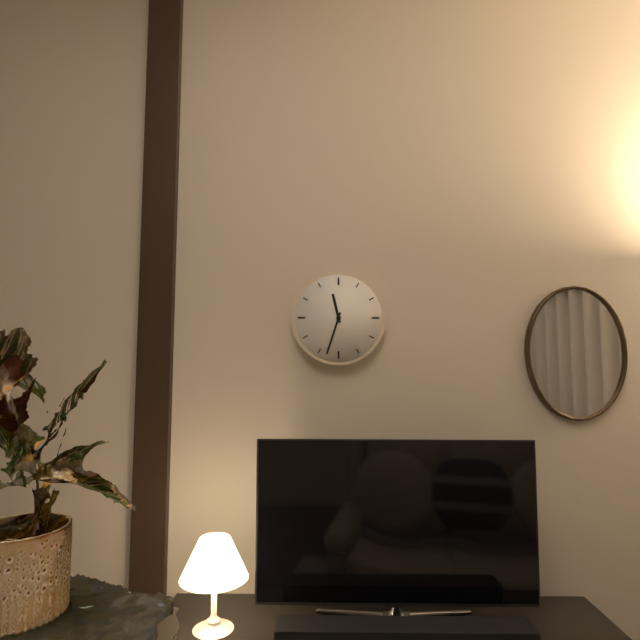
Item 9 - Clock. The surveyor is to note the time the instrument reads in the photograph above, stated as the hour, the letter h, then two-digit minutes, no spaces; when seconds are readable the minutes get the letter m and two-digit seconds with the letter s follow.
11h33
